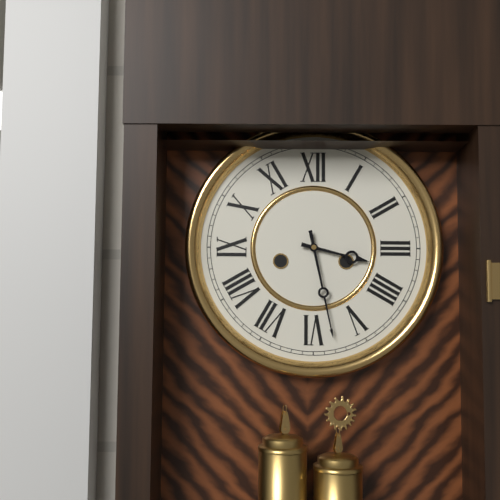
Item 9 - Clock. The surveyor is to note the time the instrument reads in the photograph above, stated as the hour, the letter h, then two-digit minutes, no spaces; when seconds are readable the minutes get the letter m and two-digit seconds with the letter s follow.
3h28
